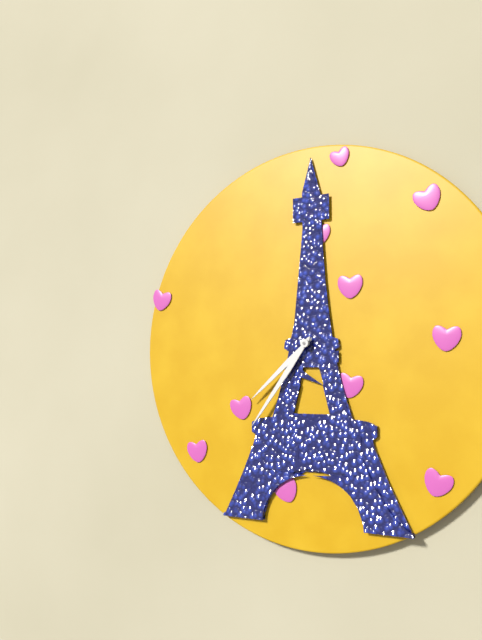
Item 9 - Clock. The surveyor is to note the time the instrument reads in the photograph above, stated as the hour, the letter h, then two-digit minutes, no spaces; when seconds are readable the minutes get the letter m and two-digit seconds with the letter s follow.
7h36
